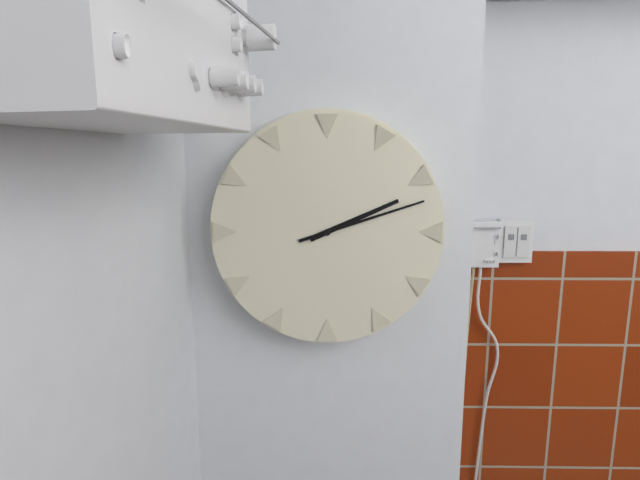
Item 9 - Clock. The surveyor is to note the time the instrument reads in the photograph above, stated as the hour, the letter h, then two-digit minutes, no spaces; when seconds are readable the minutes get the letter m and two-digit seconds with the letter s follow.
2h12
